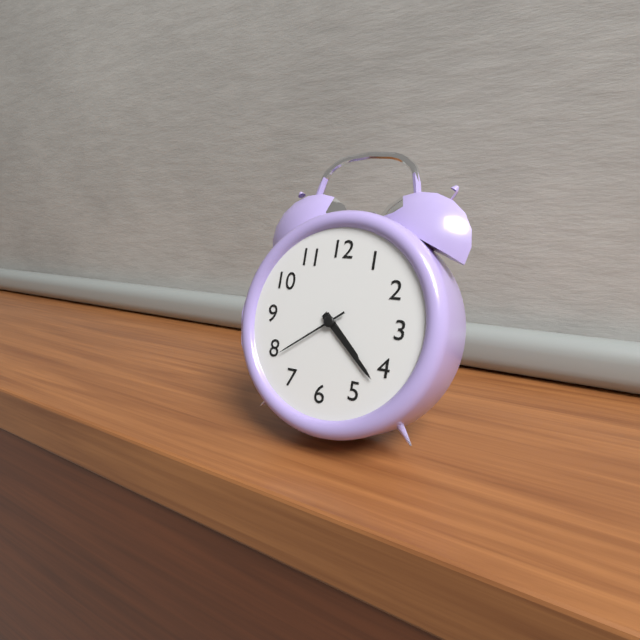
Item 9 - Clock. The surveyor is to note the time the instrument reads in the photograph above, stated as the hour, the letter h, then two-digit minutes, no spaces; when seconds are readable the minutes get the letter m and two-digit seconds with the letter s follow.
4h22m39s
